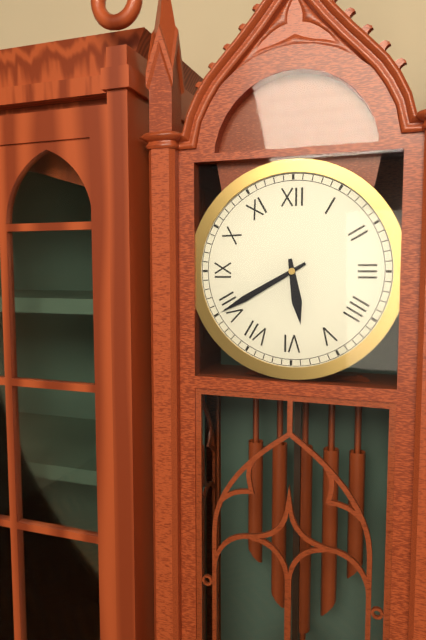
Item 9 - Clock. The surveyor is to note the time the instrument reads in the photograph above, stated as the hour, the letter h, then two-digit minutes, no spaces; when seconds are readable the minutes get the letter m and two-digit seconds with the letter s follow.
5h40
